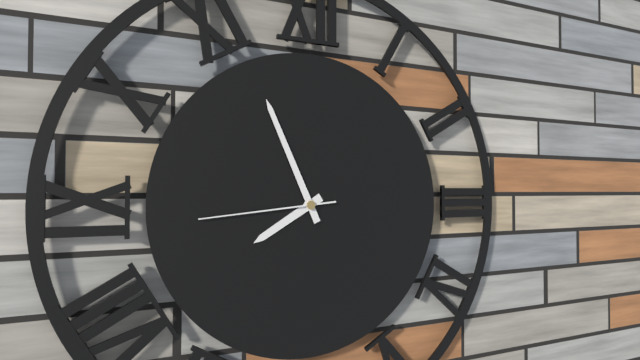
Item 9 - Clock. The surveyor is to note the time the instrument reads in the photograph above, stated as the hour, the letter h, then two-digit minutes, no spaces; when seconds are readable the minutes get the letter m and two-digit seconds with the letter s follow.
7h56m44s
